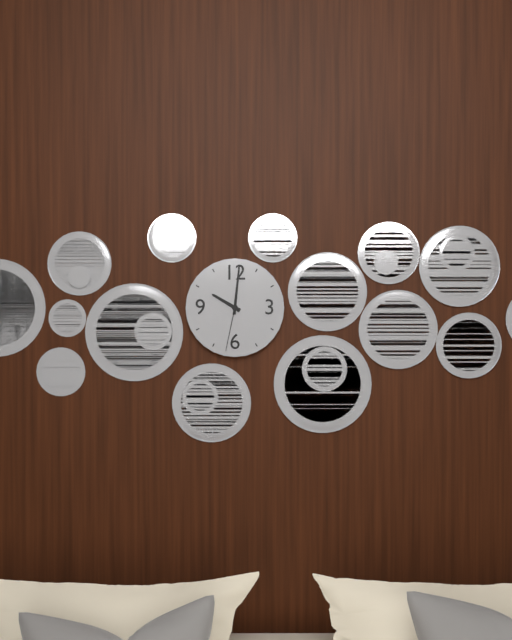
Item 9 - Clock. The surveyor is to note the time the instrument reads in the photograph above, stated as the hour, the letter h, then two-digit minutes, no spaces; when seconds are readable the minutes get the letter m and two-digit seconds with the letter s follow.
10h01m32s
